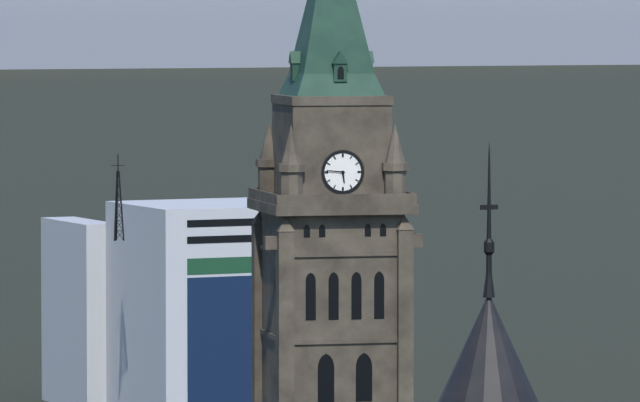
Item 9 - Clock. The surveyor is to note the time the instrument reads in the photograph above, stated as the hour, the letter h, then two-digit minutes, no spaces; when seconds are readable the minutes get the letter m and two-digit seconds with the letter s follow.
5h46
